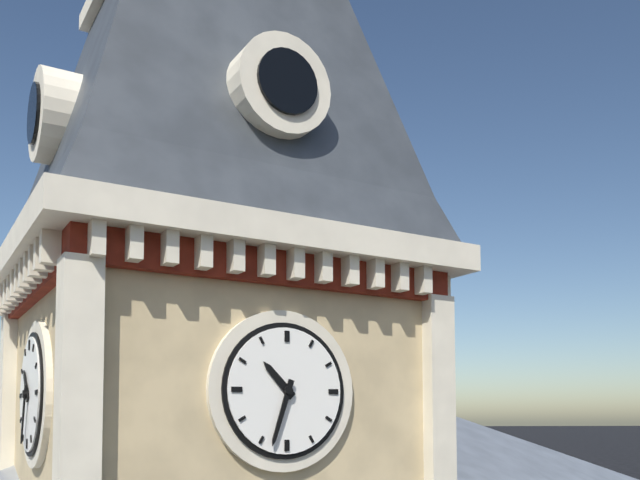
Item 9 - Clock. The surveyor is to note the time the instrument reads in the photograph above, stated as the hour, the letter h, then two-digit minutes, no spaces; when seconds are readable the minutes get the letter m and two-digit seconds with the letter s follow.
10h33
